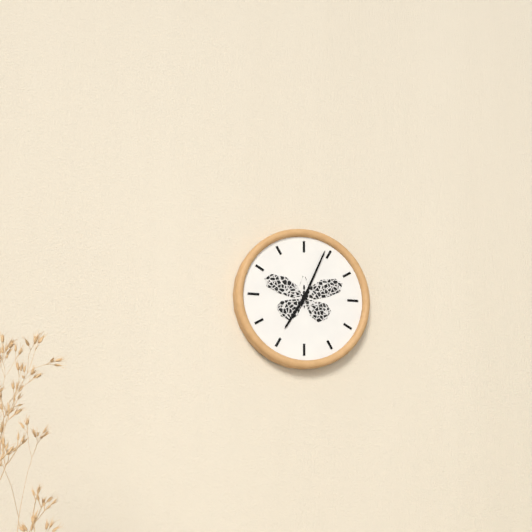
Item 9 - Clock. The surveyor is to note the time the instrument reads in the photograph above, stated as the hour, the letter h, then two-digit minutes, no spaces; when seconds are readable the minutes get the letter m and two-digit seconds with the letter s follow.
7h04
